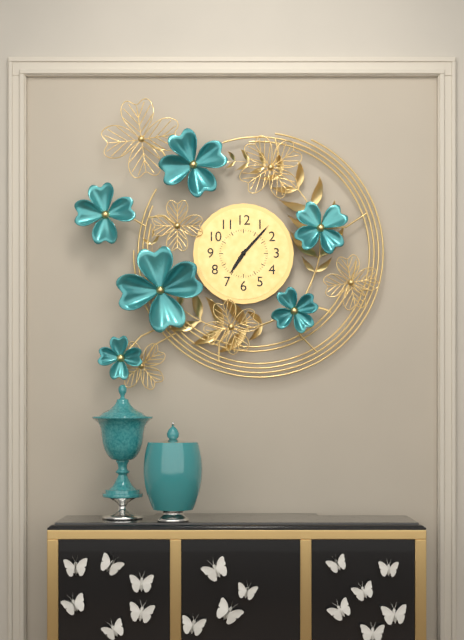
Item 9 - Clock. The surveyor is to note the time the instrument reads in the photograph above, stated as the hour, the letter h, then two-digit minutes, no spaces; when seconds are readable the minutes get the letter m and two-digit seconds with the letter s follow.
7h07
